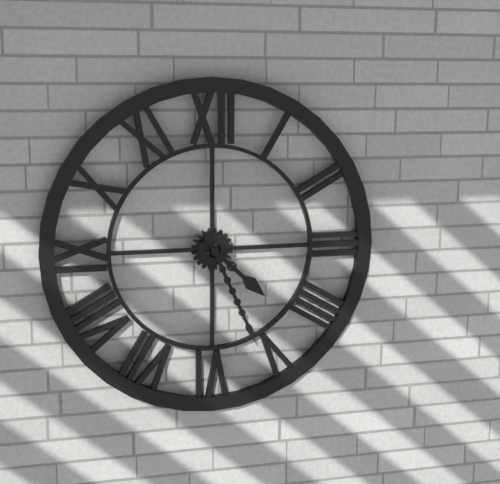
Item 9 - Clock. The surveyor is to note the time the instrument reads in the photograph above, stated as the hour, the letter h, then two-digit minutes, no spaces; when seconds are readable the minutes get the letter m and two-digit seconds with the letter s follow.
4h26
